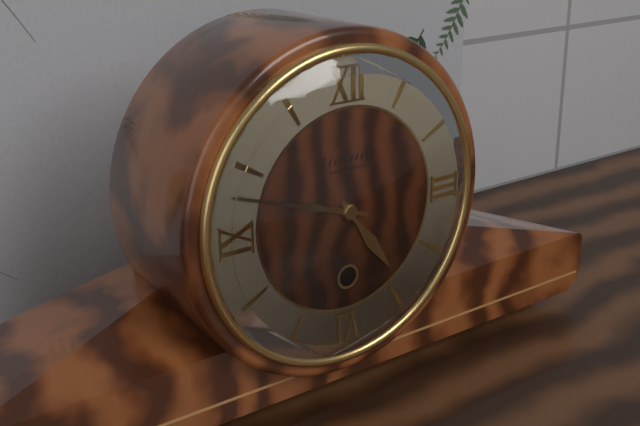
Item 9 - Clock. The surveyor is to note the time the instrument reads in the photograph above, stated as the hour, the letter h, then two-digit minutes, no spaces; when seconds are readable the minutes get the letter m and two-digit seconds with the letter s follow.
4h48
